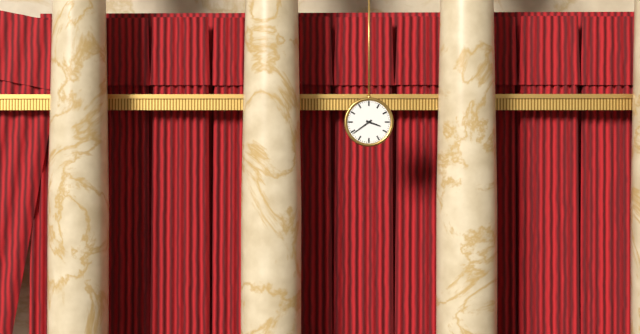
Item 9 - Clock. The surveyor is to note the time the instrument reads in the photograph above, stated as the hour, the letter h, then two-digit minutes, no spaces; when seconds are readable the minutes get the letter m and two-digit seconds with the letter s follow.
3h39
